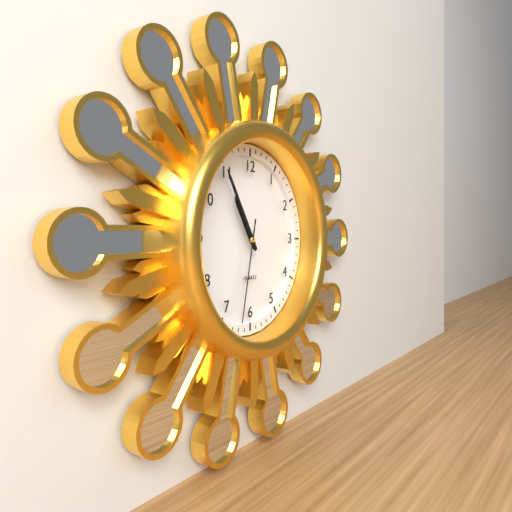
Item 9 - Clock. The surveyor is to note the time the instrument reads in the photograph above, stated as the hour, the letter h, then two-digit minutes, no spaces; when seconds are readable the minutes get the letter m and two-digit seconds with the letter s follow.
10h55m32s
